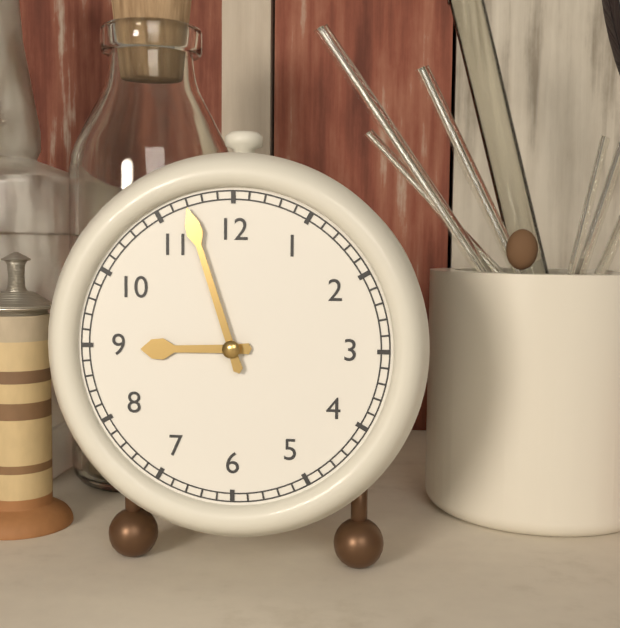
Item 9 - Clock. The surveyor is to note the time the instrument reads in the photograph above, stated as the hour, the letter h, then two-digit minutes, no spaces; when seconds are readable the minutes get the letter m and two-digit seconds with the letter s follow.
8h57
